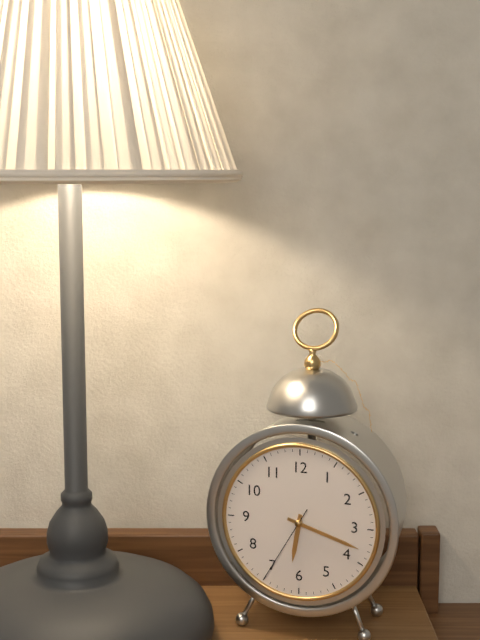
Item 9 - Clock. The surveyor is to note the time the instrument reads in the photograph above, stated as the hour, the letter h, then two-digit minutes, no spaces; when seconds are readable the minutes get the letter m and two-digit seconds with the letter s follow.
6h18m35s
